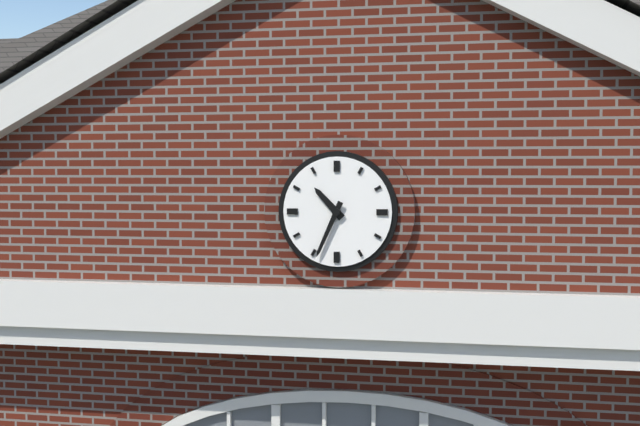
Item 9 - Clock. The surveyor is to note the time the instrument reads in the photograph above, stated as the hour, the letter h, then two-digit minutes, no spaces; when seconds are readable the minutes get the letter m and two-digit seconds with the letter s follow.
10h34
